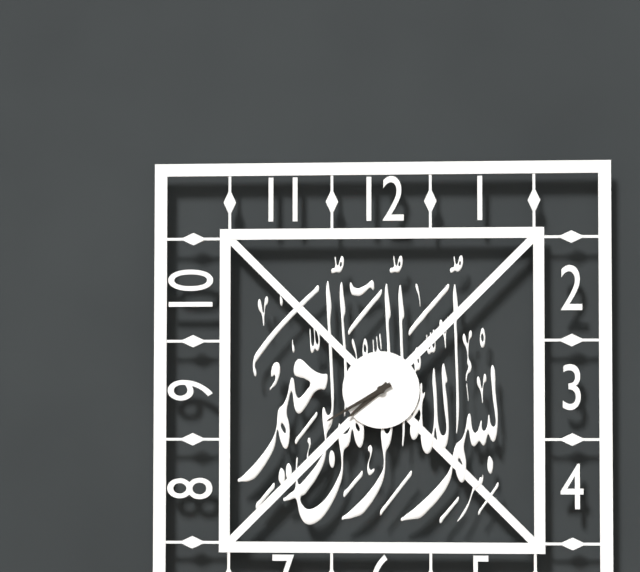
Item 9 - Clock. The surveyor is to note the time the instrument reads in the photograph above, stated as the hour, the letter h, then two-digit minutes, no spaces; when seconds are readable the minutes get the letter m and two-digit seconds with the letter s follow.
7h40
